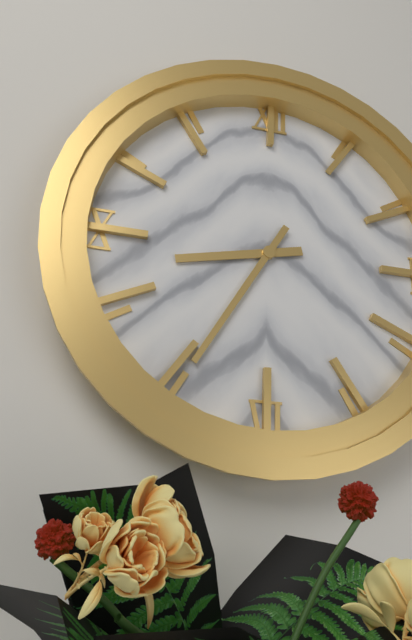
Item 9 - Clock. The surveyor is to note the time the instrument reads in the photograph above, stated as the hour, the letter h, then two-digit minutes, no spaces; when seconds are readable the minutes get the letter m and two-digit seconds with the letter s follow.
8h35
